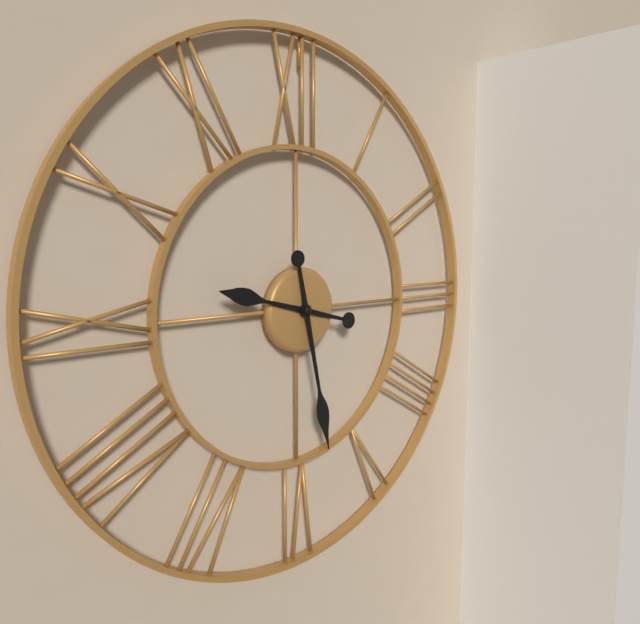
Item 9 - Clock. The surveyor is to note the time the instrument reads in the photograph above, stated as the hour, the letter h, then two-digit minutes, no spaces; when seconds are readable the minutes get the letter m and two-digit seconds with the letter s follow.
9h28
